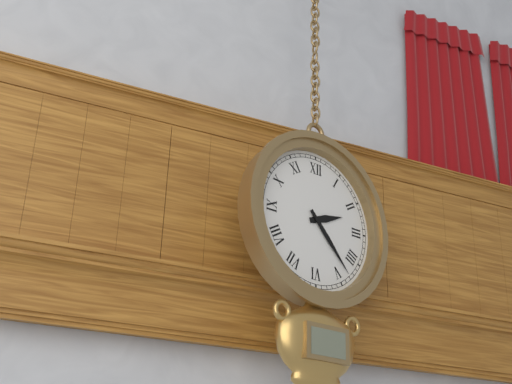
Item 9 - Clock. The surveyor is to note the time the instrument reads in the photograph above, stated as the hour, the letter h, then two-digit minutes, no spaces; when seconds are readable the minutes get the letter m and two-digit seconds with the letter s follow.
2h23
